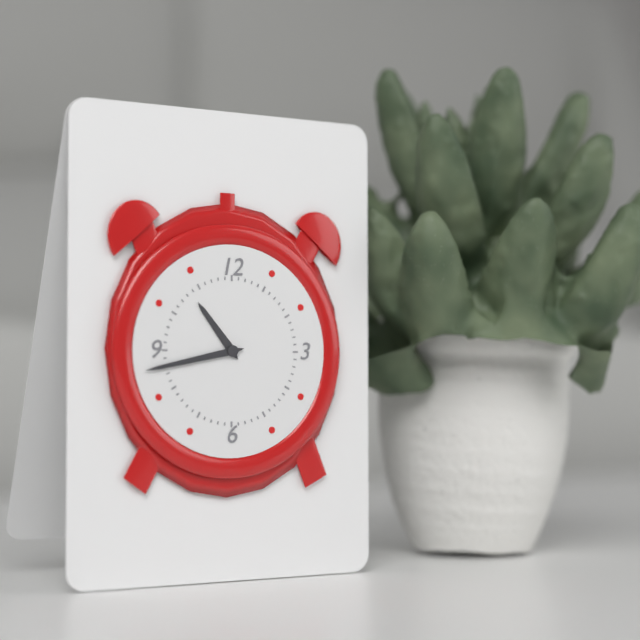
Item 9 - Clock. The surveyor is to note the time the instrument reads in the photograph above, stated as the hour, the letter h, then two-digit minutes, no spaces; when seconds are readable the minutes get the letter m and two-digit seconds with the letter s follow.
10h43
